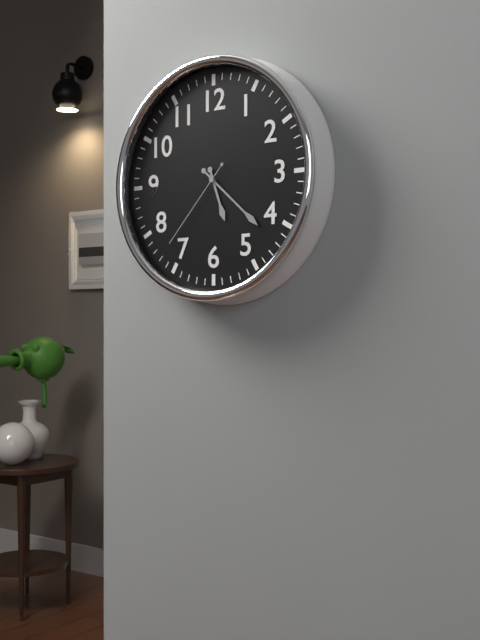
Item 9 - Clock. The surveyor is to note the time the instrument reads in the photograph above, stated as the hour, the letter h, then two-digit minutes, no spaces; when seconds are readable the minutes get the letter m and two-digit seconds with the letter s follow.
5h22m37s
